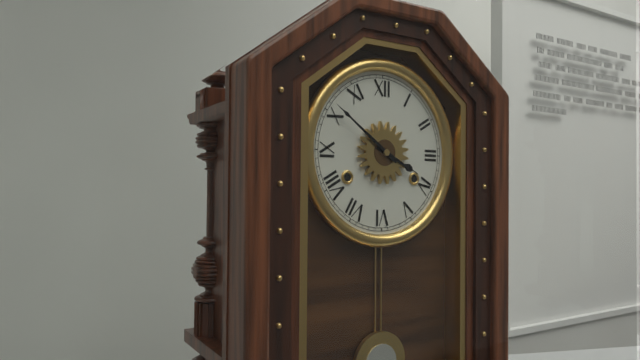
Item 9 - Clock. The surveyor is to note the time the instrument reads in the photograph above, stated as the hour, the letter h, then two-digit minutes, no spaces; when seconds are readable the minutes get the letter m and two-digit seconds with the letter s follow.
3h51
